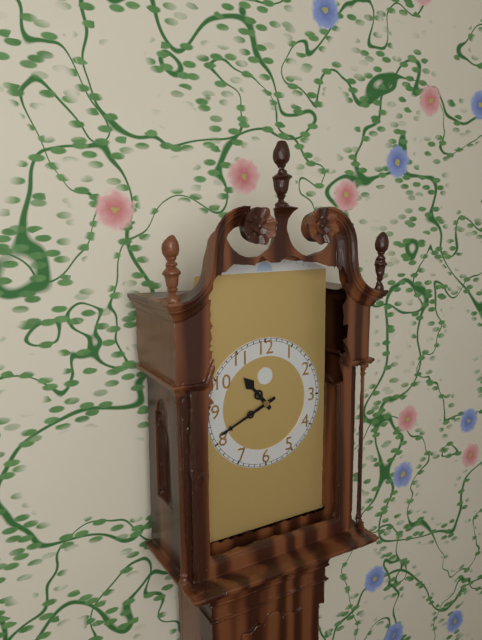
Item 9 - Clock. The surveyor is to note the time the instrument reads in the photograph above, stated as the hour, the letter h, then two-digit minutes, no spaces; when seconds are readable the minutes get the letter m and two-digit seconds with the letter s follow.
10h41
